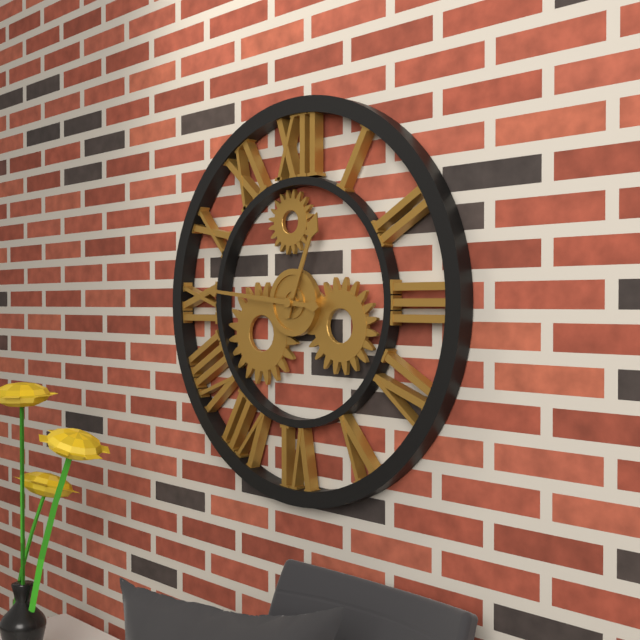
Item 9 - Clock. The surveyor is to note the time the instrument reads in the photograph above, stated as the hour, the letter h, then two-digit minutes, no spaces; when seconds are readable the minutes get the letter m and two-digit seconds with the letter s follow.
12h46
